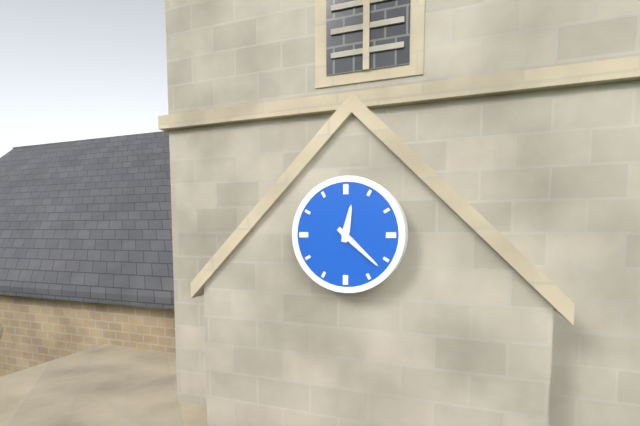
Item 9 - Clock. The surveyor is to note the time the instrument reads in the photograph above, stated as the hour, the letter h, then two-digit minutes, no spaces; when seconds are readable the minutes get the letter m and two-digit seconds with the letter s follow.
12h22
